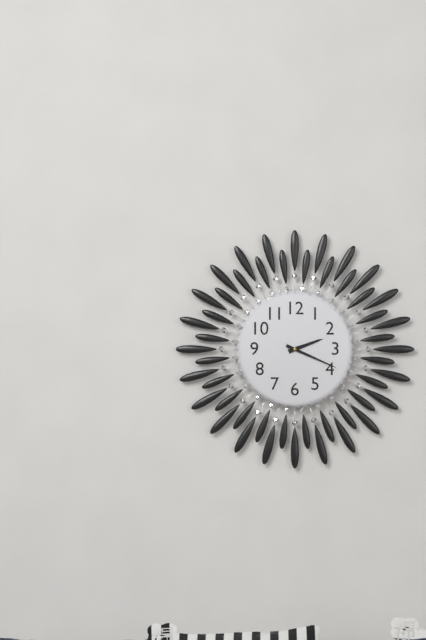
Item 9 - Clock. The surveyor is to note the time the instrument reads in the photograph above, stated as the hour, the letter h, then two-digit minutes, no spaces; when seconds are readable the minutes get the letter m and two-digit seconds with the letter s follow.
2h19
